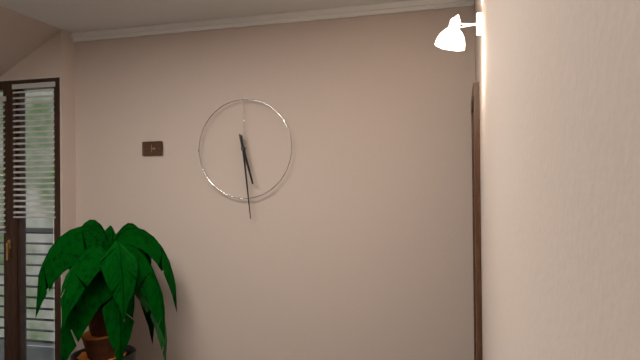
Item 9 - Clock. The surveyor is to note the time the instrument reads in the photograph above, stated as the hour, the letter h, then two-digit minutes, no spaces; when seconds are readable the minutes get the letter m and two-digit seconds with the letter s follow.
5h29
